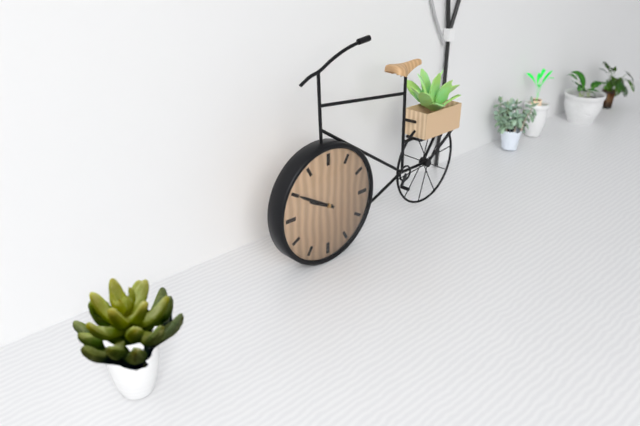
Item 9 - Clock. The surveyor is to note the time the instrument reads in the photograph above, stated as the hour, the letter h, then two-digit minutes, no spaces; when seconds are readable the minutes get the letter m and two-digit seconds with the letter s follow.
9h50
